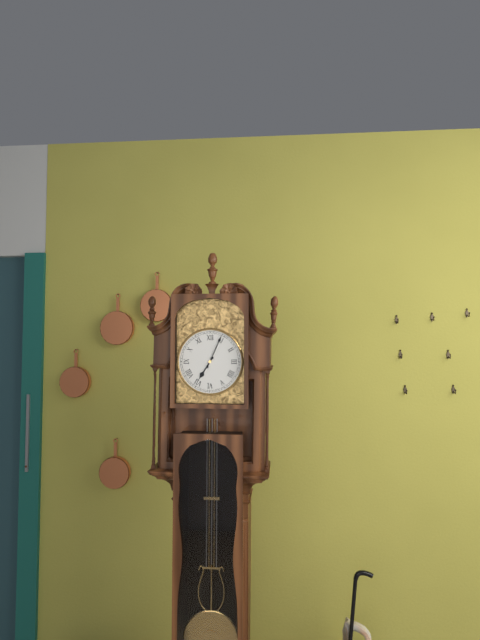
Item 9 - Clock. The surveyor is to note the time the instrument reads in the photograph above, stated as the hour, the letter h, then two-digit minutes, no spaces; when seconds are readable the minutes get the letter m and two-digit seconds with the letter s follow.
7h04
